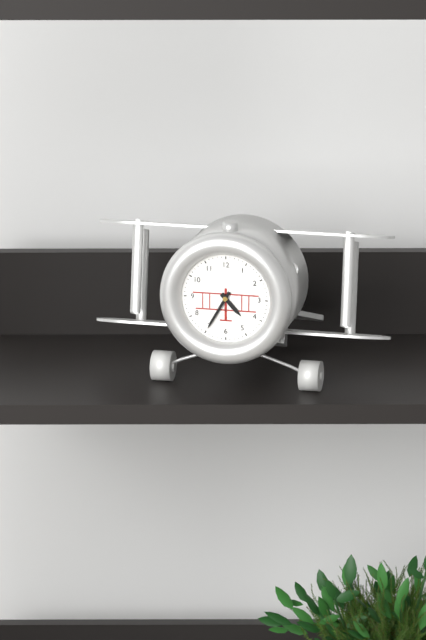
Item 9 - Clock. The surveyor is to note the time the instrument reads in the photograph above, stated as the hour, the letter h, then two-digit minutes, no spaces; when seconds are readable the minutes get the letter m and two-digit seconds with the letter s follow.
4h35
